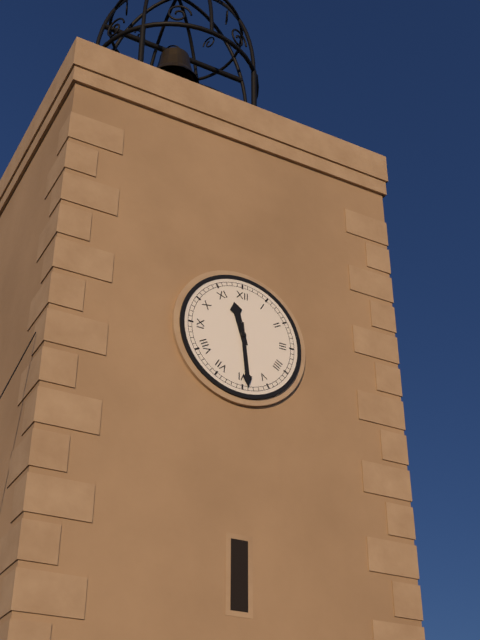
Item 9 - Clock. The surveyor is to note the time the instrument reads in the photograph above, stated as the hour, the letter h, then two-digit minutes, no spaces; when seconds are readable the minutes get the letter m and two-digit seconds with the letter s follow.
11h29
